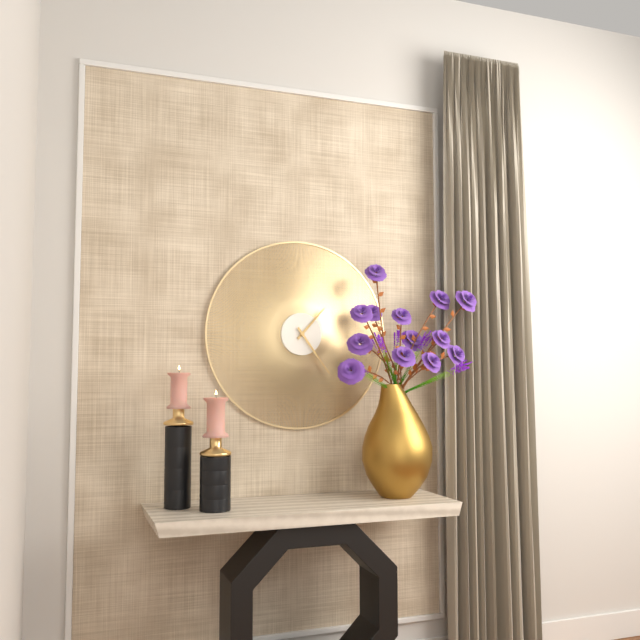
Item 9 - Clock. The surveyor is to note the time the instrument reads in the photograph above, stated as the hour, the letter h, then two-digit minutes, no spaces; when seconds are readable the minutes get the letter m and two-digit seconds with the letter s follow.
1h24
